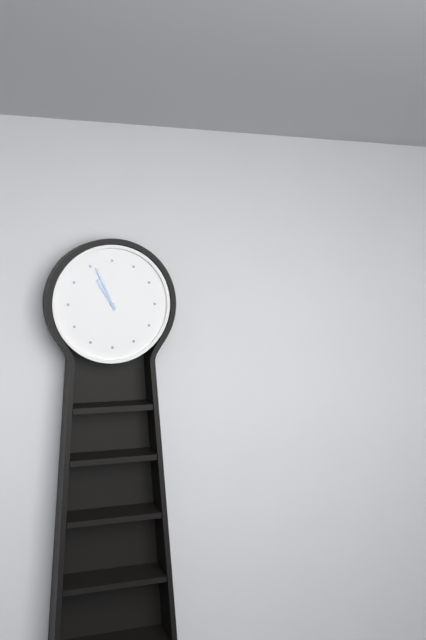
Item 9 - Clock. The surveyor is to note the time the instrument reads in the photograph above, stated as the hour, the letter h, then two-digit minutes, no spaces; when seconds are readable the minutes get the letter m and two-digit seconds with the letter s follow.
10h56
